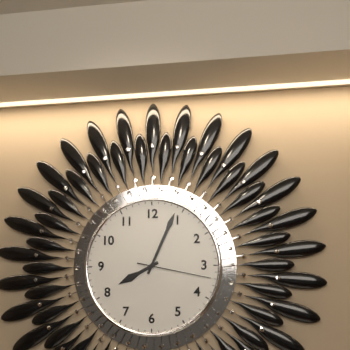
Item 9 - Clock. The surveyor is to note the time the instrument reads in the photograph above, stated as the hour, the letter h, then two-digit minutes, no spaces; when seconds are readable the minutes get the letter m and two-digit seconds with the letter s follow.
8h04m17s
